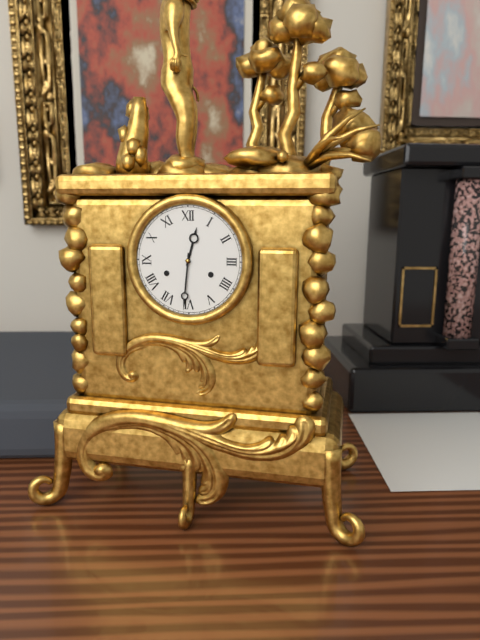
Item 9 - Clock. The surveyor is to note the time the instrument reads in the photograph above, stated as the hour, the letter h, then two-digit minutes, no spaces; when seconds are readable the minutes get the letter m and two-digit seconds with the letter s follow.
12h31
